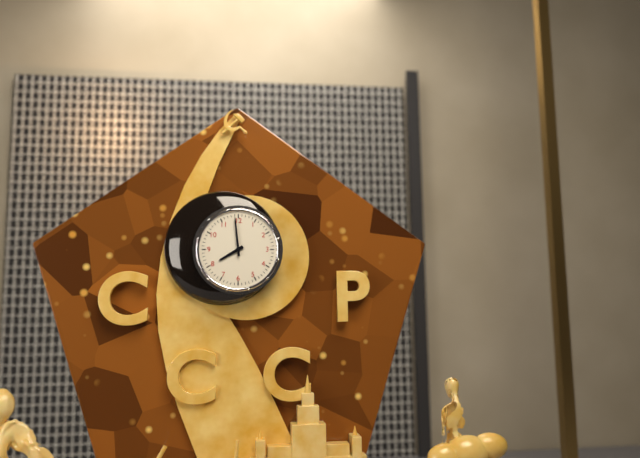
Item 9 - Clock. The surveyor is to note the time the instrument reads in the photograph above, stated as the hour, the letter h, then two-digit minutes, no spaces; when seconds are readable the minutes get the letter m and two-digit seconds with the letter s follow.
7h59
